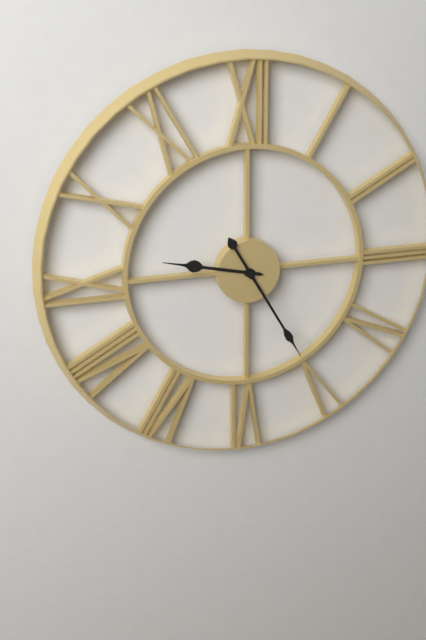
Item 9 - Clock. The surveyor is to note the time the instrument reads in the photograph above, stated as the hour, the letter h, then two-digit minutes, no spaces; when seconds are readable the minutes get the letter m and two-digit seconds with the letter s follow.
9h25
